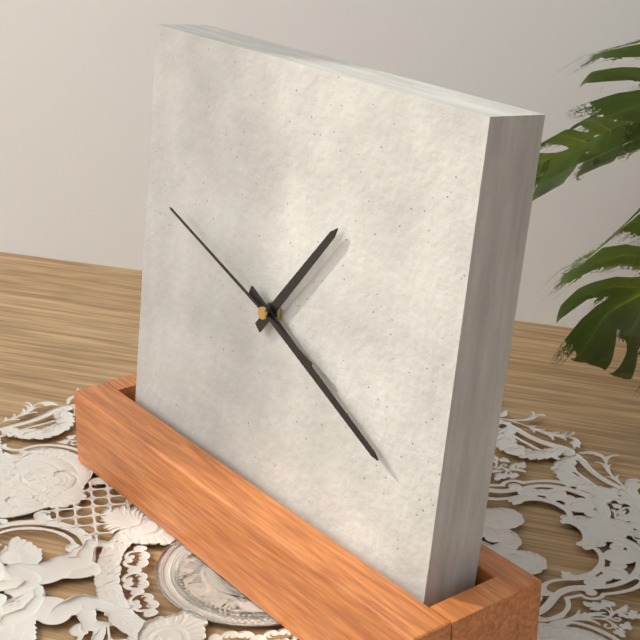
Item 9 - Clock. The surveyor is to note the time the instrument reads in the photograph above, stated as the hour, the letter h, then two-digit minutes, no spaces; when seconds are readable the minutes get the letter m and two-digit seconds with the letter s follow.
1h19m48s
